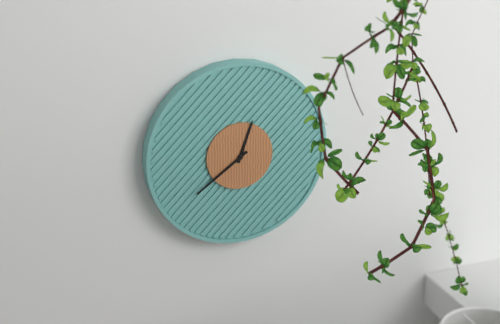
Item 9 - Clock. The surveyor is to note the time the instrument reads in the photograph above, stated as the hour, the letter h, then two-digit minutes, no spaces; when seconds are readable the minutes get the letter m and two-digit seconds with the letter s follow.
12h39
